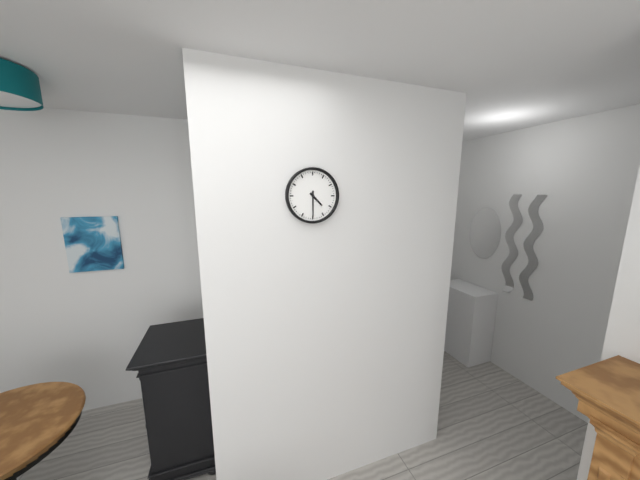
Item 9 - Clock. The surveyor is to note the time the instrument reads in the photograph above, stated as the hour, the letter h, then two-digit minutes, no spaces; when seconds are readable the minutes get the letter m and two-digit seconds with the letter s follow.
4h30
